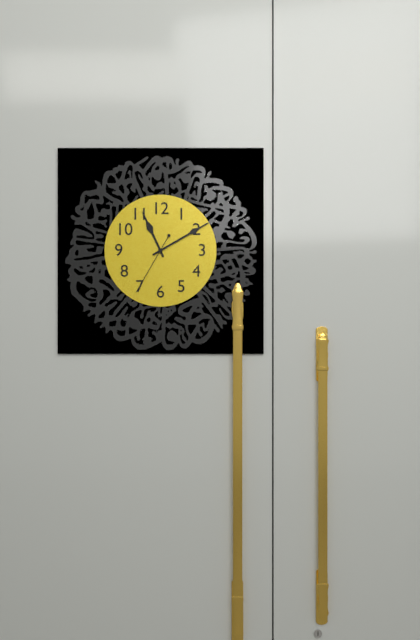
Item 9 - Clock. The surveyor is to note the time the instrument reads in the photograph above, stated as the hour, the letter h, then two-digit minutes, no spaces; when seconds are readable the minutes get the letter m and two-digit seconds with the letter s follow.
11h10m35s
